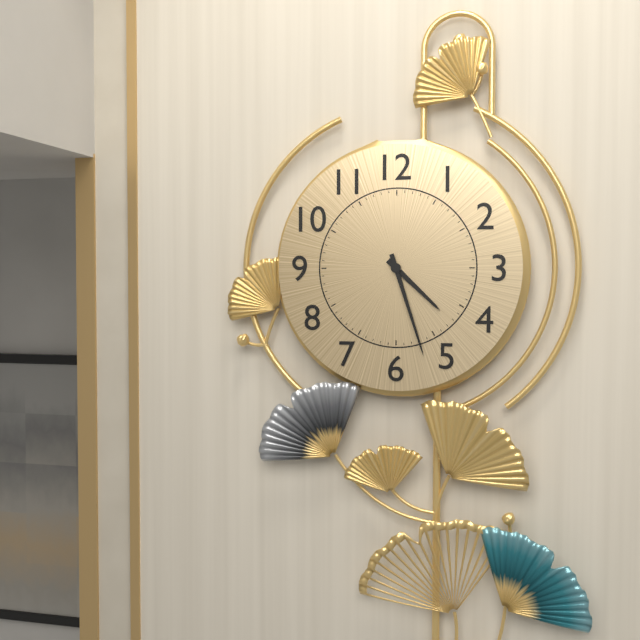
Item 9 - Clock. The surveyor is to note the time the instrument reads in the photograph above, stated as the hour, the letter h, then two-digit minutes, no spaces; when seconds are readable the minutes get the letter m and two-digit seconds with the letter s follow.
4h27
